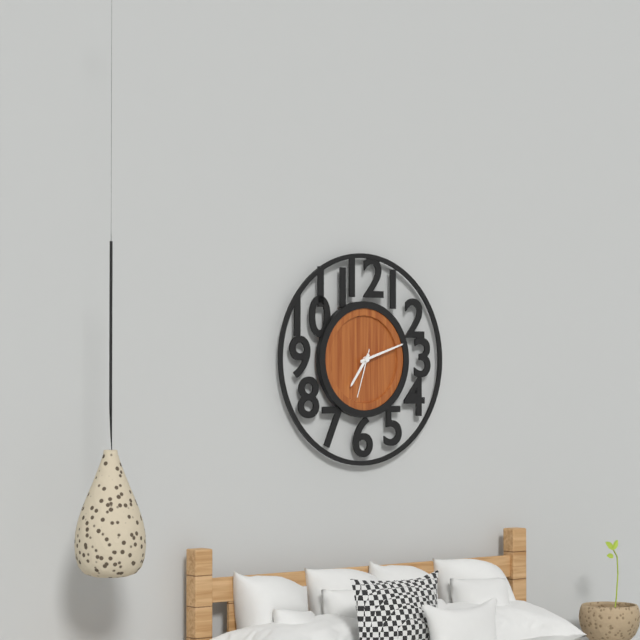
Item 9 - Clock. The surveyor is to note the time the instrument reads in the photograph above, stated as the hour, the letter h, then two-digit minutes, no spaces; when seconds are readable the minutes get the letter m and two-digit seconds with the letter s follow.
7h12
